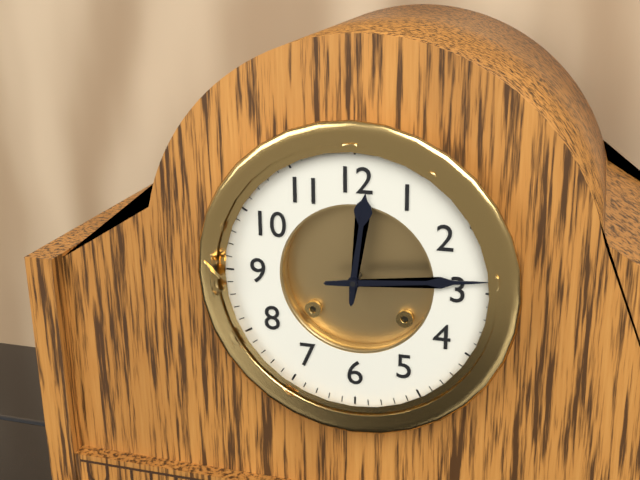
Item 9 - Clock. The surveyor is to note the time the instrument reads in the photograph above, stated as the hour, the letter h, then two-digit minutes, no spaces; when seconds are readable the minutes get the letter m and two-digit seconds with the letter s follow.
12h14
